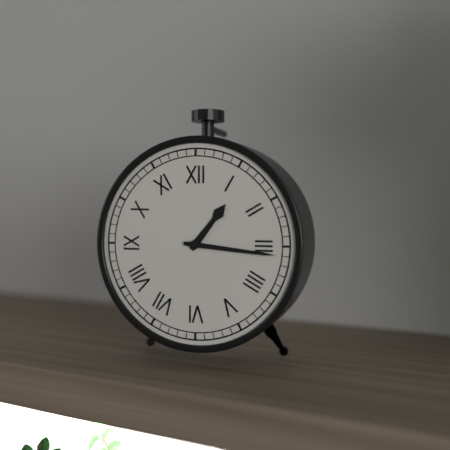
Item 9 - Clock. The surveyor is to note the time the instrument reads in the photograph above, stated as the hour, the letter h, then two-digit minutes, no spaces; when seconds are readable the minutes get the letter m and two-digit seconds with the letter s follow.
1h16
